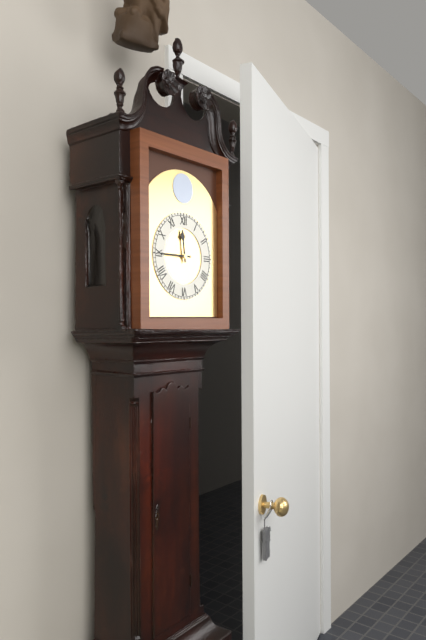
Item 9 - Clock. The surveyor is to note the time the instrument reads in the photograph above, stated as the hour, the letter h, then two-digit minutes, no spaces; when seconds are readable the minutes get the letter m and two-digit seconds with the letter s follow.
11h45
